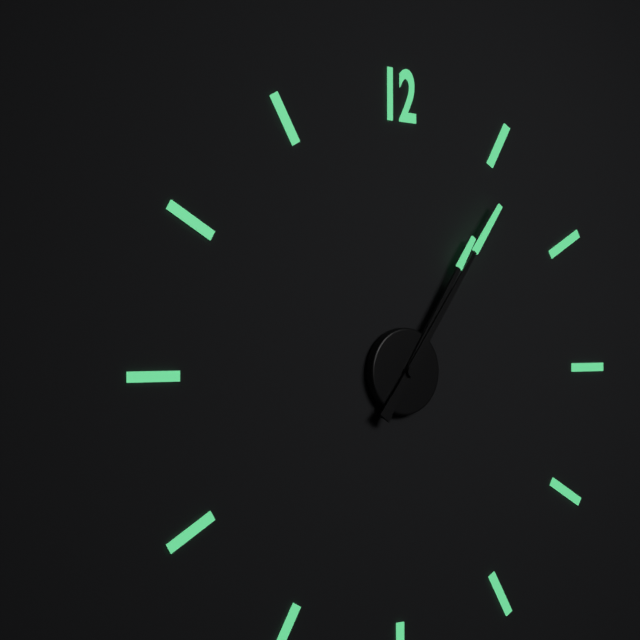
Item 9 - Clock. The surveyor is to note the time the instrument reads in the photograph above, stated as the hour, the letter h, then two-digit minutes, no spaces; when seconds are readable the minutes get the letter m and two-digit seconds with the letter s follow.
1h06
